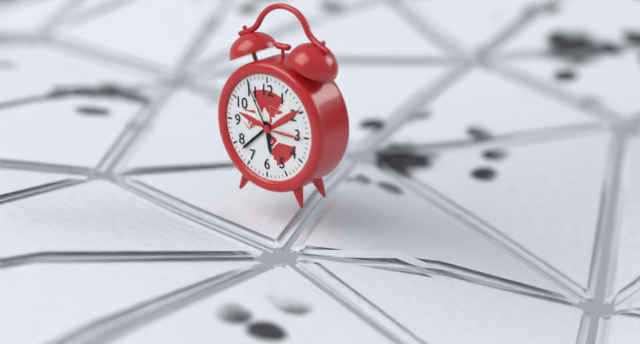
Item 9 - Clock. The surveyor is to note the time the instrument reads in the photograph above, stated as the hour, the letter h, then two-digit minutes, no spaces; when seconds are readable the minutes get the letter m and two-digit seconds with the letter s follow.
5h38m55s
